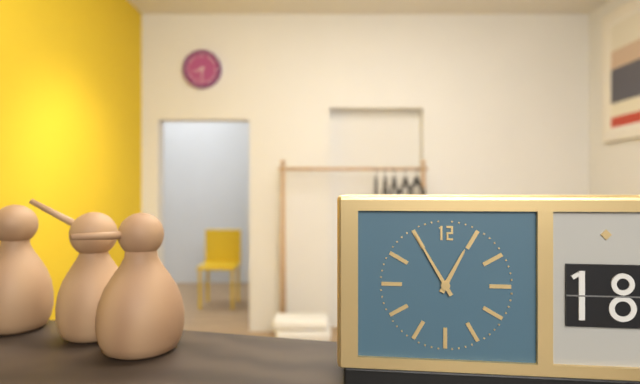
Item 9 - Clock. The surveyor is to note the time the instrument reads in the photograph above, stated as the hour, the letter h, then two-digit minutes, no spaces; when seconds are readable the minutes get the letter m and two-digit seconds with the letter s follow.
12h55
